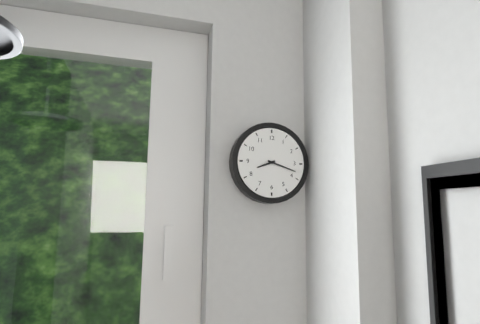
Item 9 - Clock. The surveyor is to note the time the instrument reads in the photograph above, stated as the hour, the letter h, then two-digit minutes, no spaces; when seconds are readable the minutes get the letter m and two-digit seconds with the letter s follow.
8h18
